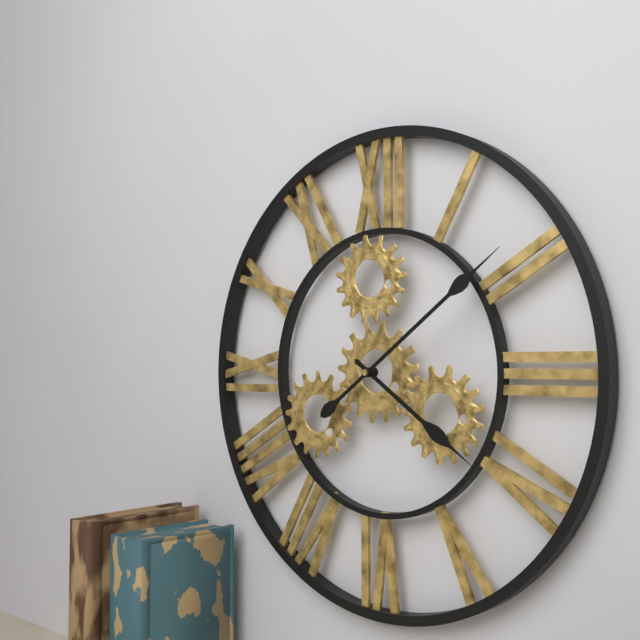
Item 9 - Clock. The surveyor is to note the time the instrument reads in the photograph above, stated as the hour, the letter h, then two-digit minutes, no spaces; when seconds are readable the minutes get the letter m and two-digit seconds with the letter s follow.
4h09
